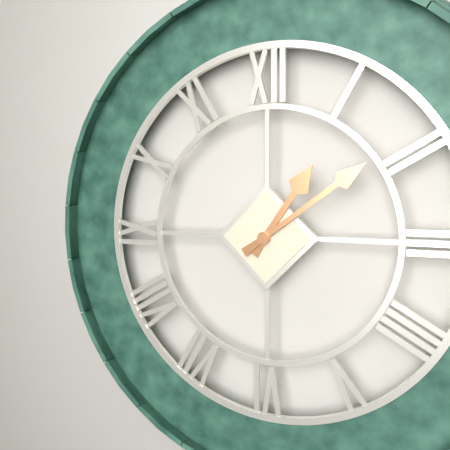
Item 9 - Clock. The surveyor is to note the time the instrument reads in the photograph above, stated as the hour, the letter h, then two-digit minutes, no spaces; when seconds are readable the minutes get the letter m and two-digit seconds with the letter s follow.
1h09
